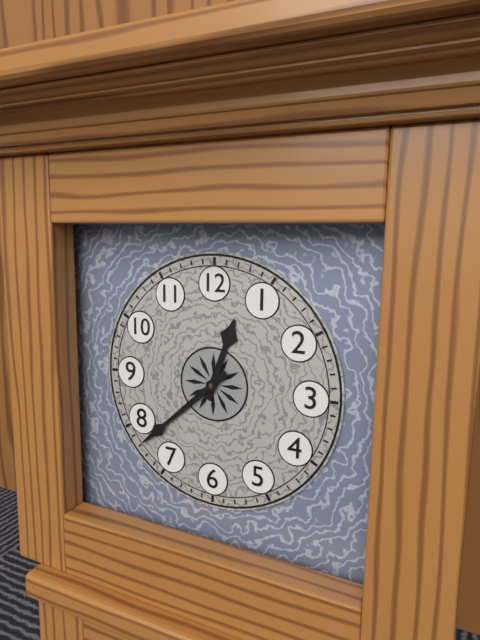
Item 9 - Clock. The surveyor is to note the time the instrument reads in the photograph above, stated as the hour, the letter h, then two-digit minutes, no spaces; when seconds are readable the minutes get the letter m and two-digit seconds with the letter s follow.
12h38
